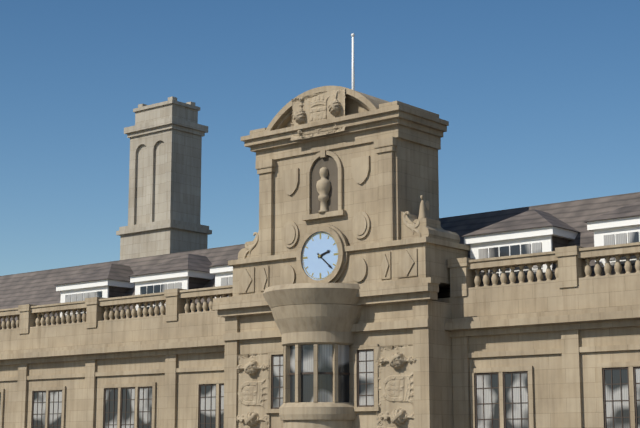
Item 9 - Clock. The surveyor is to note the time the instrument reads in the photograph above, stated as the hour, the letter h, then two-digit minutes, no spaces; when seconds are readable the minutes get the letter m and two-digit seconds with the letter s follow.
2h22
